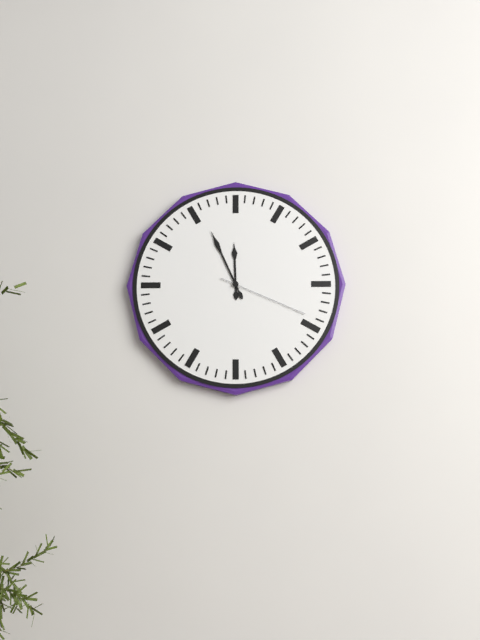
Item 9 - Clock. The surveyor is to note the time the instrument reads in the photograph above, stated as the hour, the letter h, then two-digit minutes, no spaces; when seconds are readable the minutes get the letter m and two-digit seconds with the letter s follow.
11h56m19s
